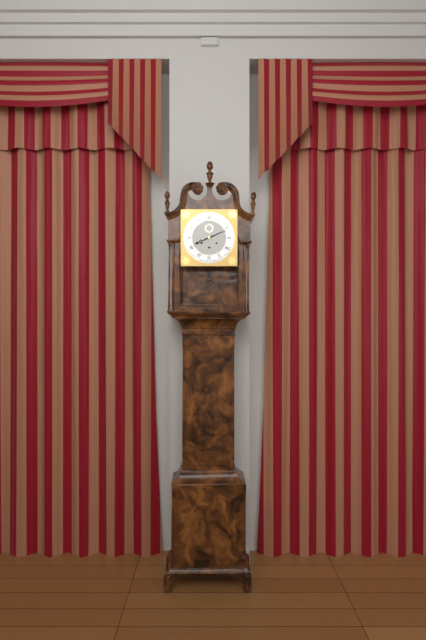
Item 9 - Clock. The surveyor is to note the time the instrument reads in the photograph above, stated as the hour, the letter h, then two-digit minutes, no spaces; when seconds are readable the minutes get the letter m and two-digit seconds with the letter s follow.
8h11
